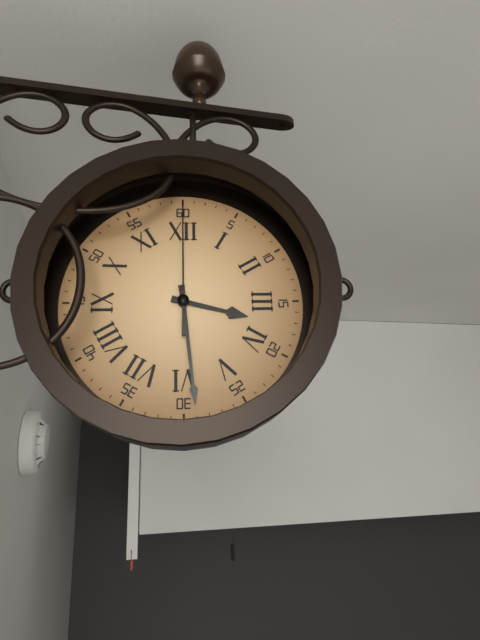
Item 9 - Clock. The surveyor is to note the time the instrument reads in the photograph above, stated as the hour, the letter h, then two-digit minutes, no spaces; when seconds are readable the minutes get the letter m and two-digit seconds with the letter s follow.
3h29m00s
